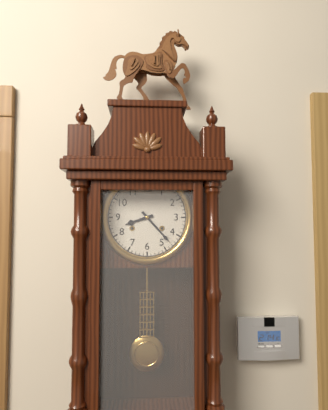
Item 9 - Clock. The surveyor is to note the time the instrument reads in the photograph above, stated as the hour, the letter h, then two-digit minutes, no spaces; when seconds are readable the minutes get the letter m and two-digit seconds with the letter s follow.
8h23
